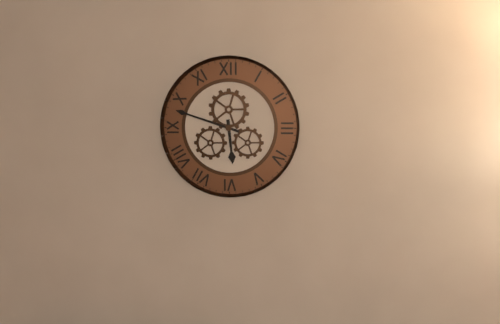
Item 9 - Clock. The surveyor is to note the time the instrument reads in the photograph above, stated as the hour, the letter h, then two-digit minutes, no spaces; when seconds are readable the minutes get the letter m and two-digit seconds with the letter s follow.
5h48
